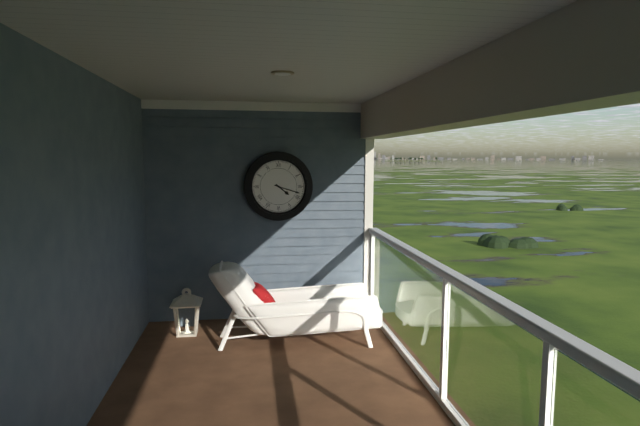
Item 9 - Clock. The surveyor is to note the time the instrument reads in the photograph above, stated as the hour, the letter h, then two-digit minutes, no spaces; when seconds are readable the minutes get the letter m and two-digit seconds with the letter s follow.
4h18
